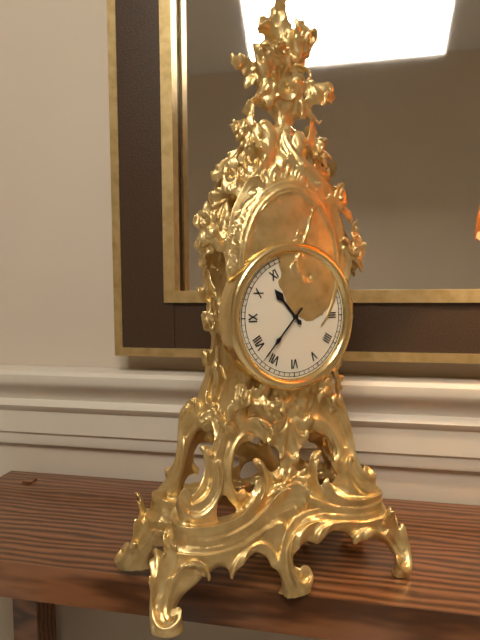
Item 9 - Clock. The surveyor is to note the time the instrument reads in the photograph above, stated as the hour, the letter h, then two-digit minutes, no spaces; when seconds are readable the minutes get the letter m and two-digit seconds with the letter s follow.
10h37
